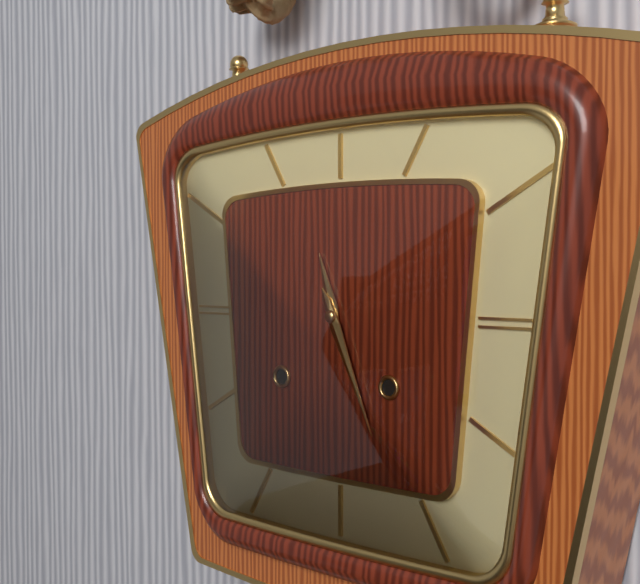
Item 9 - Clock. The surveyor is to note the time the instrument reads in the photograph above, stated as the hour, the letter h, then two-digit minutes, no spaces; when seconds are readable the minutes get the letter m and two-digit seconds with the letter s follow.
11h26
